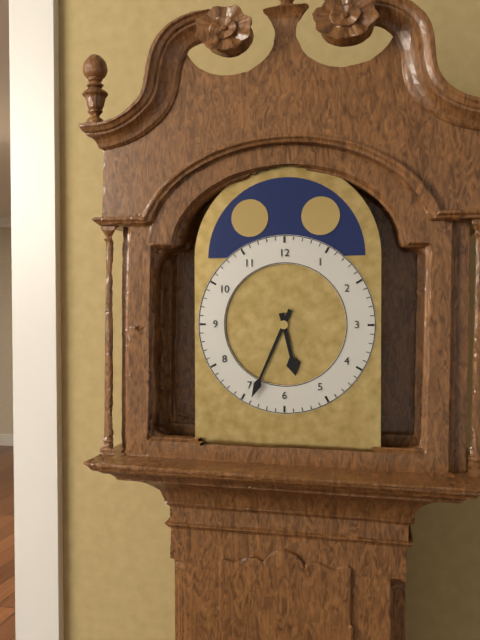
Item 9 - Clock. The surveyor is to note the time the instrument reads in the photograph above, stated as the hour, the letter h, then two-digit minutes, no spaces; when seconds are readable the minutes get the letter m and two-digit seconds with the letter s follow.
5h34
